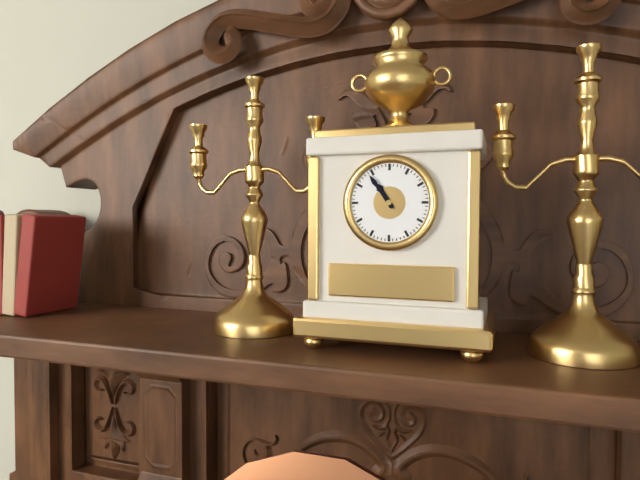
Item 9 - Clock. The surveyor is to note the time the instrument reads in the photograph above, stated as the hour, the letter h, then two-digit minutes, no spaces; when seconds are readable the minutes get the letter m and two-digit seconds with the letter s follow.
10h54
